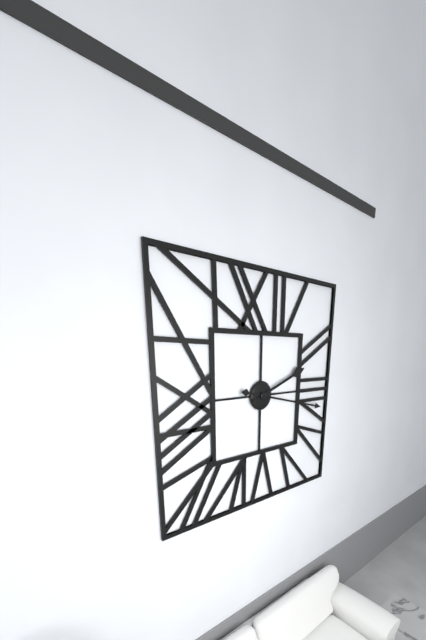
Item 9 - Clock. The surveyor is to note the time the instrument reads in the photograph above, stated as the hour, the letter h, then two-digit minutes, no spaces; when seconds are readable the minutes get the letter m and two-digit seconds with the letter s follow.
2h17
